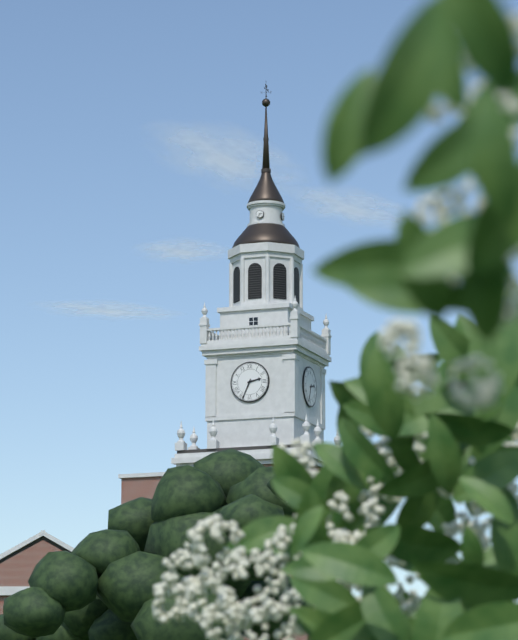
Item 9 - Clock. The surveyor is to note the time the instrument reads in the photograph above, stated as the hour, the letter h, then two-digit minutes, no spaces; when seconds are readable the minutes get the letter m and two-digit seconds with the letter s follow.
2h34
